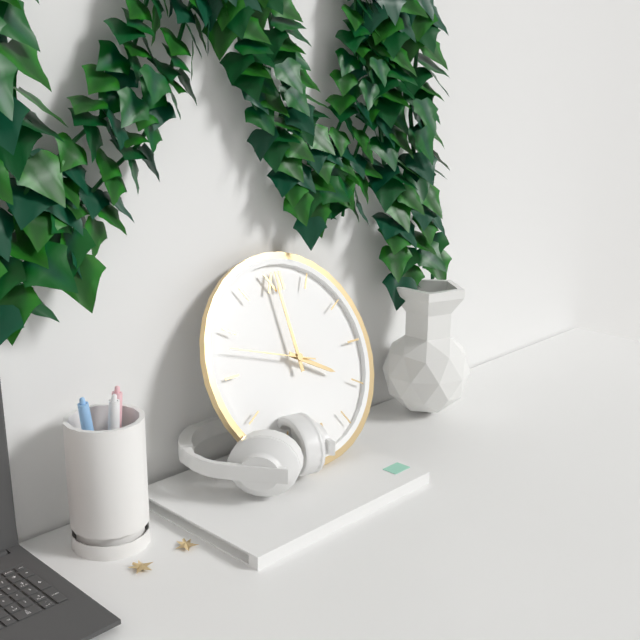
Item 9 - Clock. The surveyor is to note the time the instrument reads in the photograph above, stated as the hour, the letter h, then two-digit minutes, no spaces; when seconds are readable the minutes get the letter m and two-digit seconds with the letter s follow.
4h00m48s
